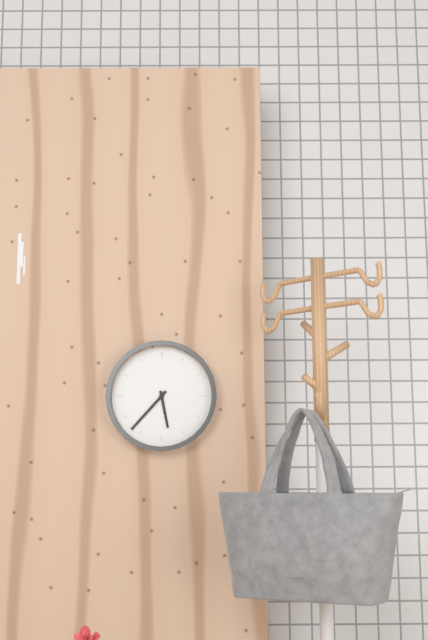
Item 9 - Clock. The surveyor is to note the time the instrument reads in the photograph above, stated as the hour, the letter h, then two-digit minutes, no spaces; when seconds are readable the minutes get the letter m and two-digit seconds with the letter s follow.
5h37
